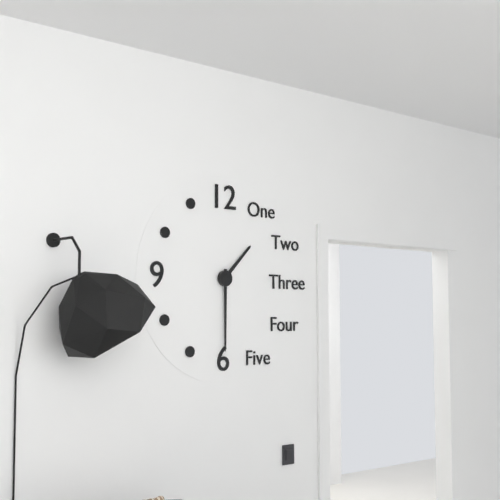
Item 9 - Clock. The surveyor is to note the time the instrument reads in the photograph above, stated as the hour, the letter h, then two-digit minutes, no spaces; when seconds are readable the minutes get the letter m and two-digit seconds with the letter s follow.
1h30
